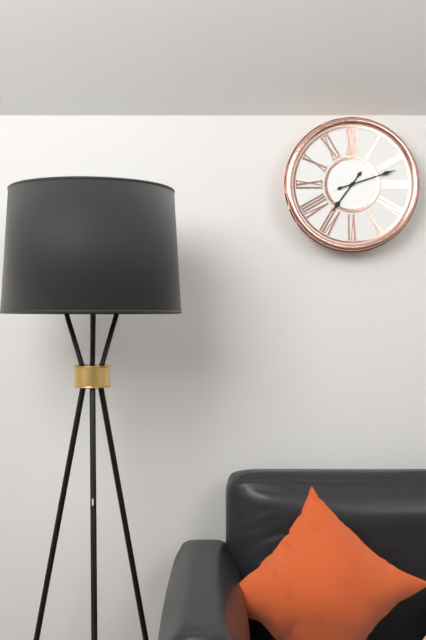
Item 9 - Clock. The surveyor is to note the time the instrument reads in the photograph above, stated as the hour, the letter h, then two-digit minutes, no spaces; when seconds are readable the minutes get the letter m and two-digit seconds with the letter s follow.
7h12
